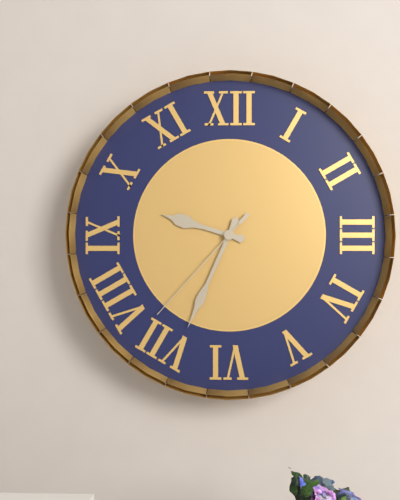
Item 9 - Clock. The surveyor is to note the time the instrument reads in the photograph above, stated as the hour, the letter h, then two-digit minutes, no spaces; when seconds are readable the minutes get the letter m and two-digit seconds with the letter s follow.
9h34m37s
